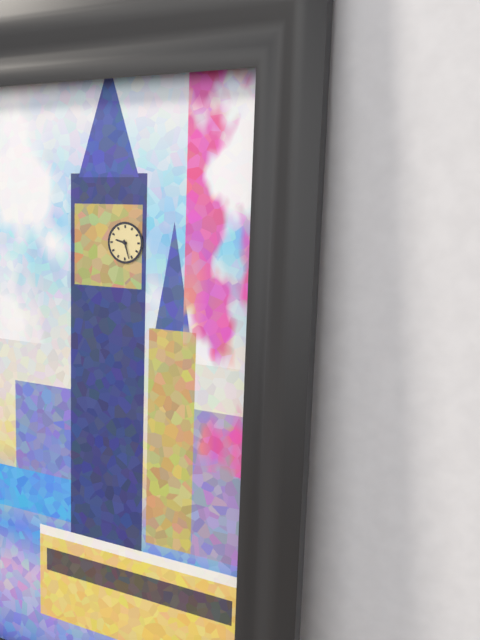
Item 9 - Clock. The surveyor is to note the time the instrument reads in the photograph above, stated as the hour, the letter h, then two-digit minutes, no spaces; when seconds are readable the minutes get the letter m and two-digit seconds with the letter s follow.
9h27
